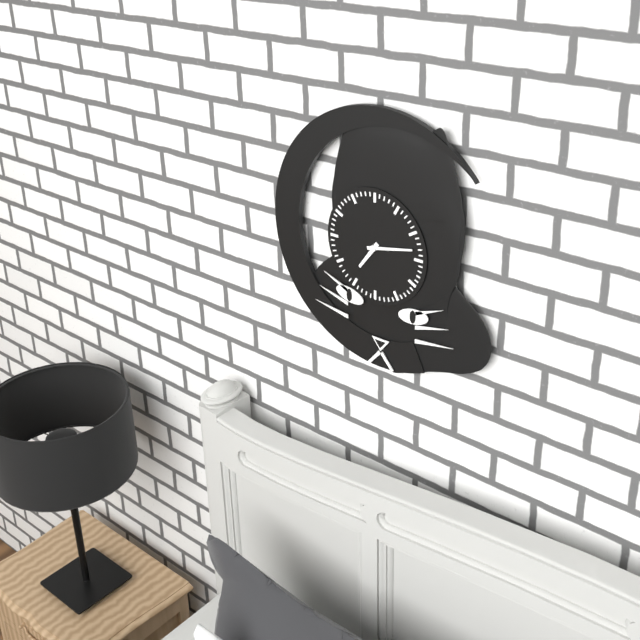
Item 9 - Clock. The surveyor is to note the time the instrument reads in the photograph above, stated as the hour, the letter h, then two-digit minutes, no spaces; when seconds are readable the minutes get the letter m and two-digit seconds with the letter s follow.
7h13
